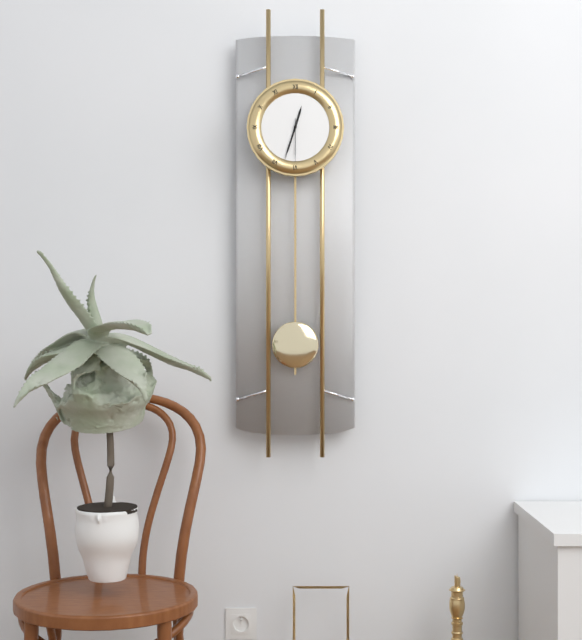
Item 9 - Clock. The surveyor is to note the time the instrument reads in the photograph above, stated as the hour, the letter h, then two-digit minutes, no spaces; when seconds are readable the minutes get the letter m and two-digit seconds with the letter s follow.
12h33
